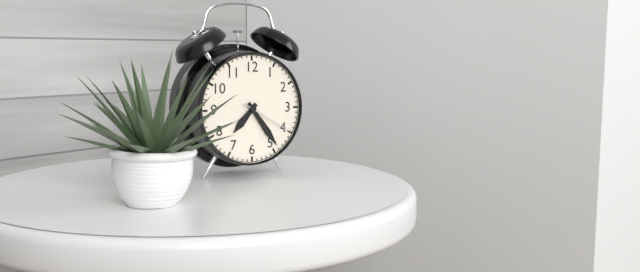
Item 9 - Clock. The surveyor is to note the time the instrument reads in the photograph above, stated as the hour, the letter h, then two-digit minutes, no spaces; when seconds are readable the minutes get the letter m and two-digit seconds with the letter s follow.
7h24m20s
